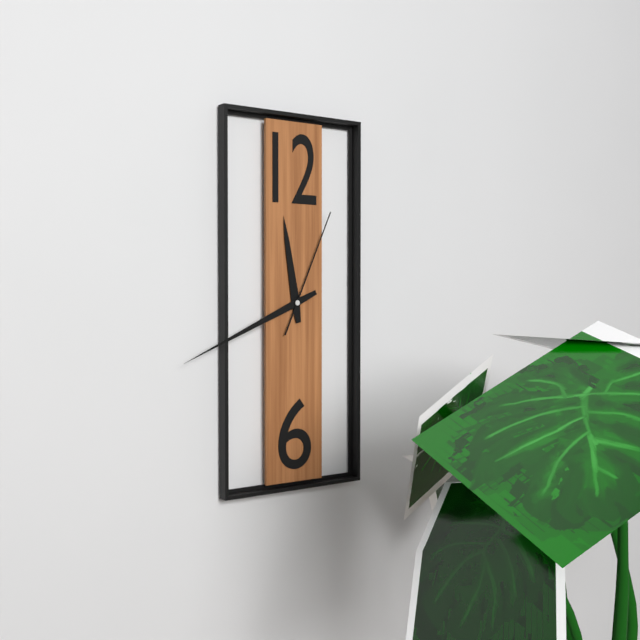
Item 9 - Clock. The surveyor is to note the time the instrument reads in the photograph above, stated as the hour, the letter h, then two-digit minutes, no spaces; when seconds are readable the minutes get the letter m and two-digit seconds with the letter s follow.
11h41m04s
